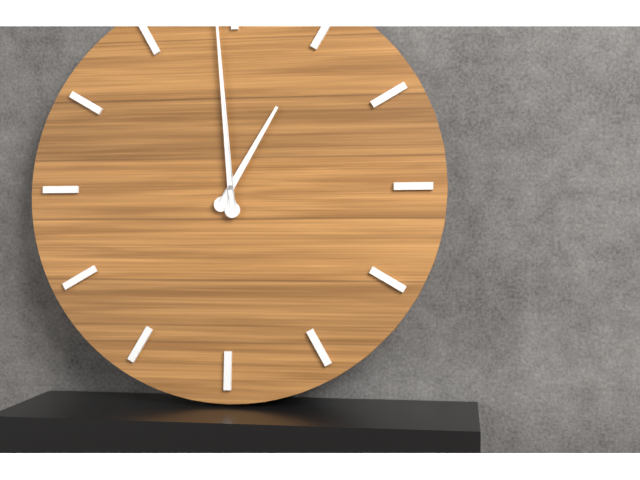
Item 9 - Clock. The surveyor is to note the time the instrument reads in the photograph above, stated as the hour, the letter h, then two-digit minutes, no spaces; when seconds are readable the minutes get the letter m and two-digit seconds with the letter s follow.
12h59
